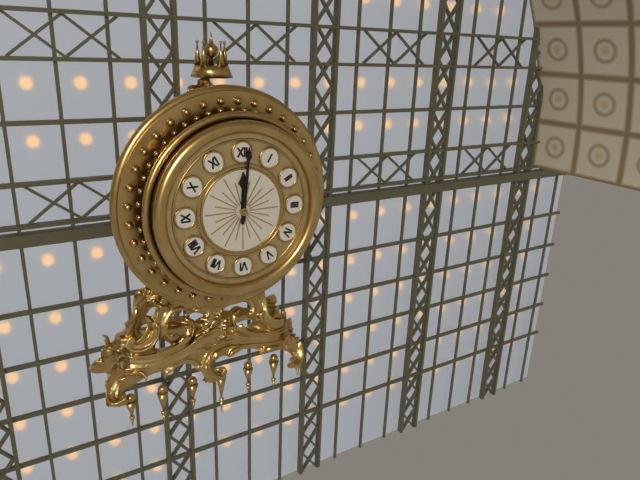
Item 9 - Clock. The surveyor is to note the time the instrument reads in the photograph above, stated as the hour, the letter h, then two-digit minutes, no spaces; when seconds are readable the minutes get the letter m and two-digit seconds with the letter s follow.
12h01
